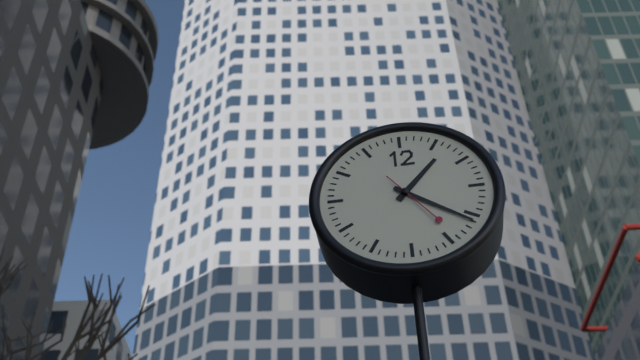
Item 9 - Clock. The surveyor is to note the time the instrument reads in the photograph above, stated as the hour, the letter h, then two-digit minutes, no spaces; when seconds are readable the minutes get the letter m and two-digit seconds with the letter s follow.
1h21m24s
